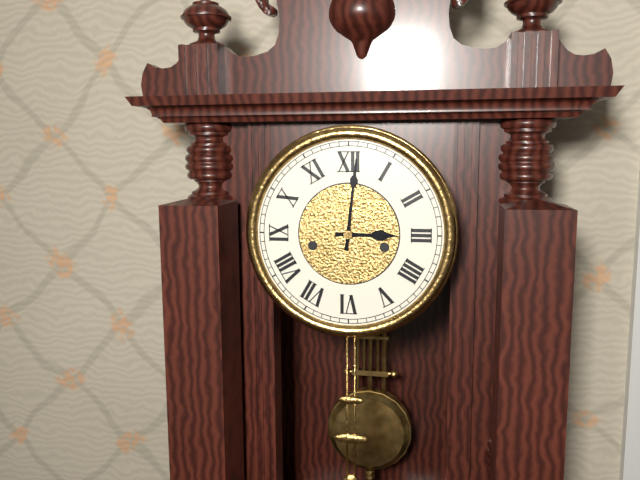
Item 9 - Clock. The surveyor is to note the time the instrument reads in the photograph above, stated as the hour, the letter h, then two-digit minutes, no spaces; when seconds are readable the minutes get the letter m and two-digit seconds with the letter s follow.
3h01
